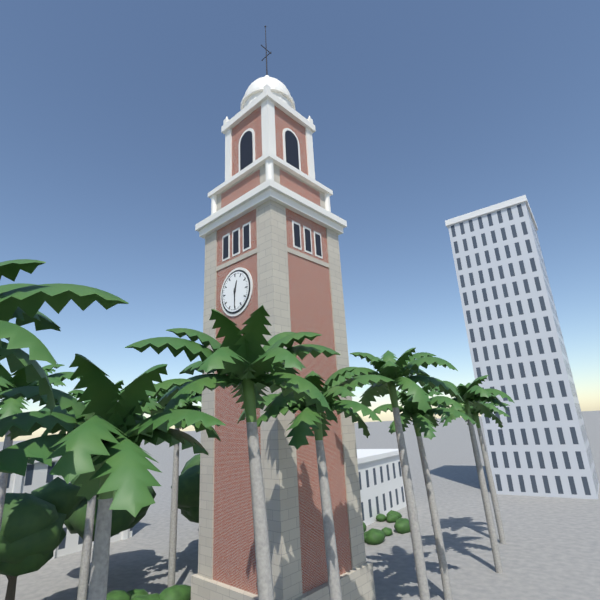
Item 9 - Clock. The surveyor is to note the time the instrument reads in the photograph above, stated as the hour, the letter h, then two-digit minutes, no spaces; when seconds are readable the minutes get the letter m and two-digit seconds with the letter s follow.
12h30
